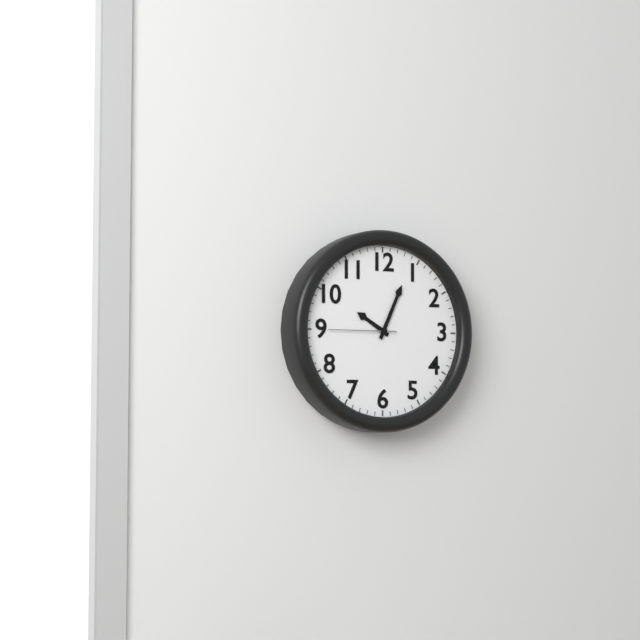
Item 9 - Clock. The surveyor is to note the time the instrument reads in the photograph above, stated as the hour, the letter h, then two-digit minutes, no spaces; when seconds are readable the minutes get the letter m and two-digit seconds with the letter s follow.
10h04m45s
